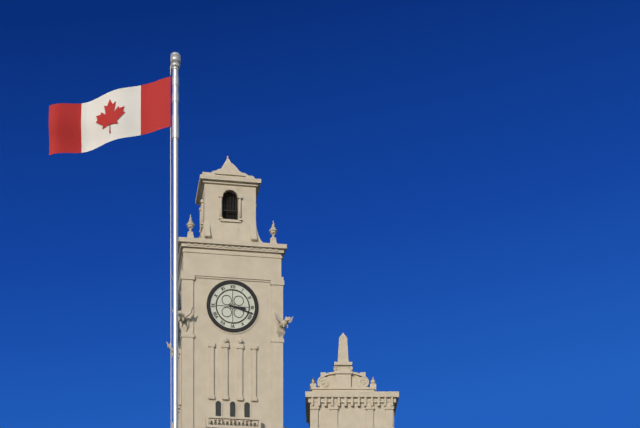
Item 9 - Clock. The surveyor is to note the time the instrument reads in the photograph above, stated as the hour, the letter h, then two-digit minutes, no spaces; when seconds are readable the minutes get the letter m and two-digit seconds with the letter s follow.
3h18
